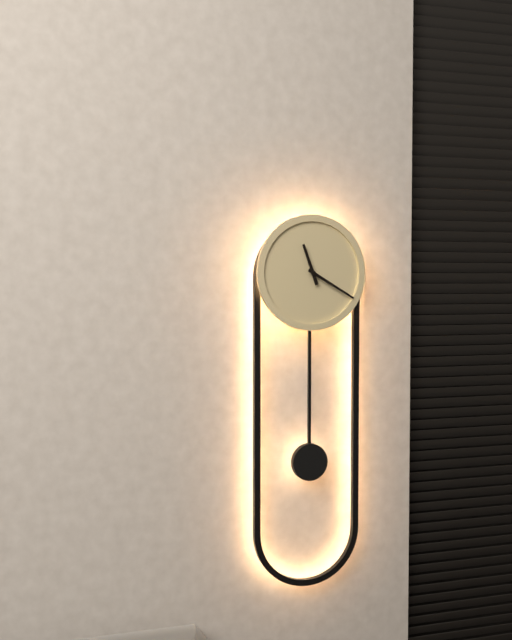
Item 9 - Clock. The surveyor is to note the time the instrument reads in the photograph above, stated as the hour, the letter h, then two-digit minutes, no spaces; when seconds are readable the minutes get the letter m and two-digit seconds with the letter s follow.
11h20
